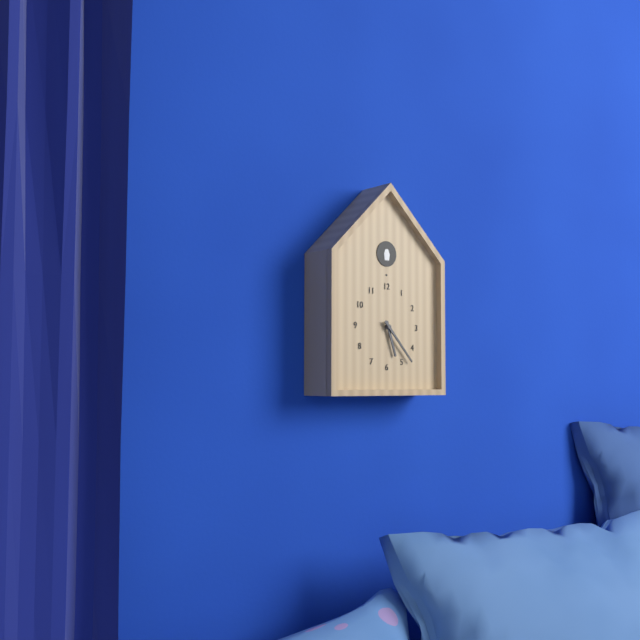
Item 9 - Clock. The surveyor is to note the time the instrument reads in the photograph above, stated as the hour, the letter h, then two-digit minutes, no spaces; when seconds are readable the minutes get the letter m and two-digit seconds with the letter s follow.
5h23
